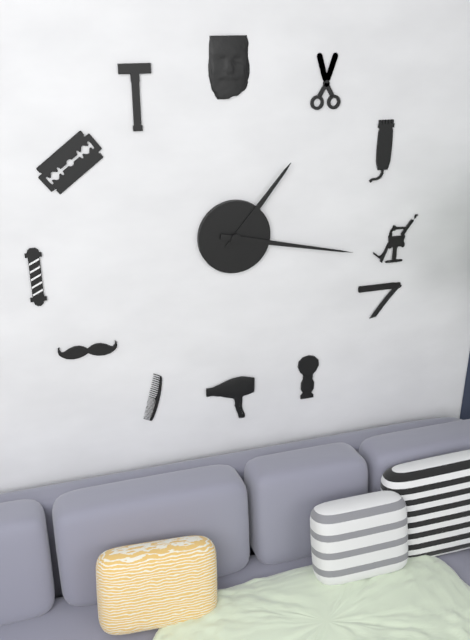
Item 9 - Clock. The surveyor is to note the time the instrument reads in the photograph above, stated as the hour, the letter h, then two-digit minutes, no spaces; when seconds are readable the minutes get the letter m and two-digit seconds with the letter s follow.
1h17
